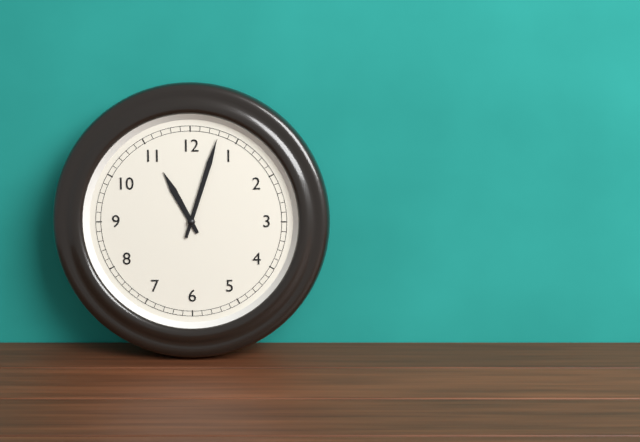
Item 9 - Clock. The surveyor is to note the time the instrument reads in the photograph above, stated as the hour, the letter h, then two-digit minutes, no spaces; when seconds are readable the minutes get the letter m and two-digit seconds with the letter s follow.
11h03
